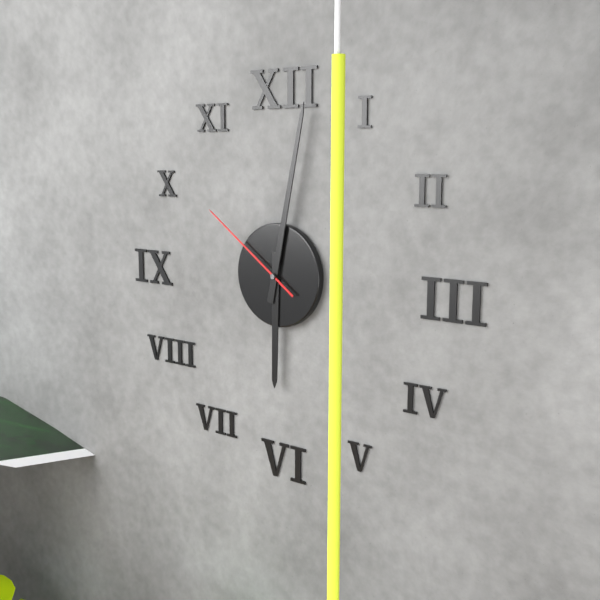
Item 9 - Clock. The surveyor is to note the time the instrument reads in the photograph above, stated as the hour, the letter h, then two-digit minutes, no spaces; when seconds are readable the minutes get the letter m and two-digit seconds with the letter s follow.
6h02m51s
